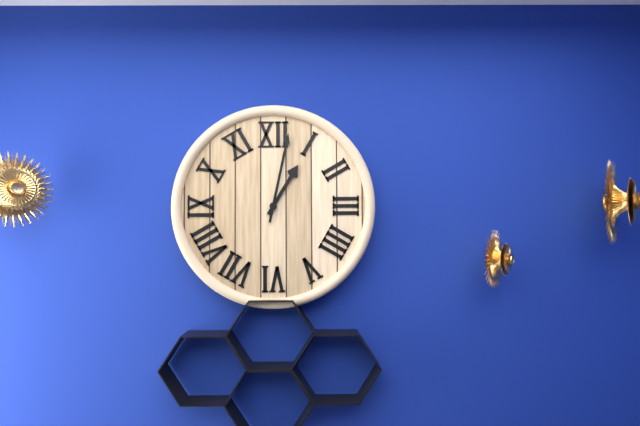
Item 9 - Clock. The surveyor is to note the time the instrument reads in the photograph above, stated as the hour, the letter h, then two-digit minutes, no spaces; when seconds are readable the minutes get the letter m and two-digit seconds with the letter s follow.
1h02
